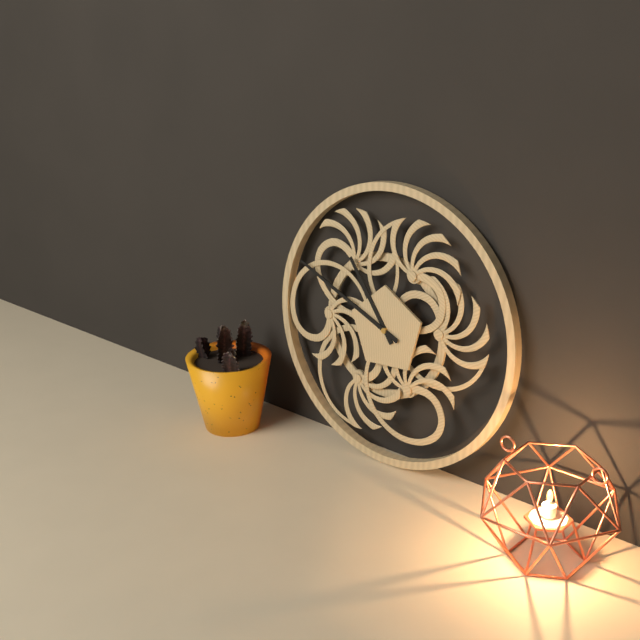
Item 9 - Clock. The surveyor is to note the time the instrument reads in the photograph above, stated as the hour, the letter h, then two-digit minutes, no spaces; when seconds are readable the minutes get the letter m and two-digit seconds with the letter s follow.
10h49
